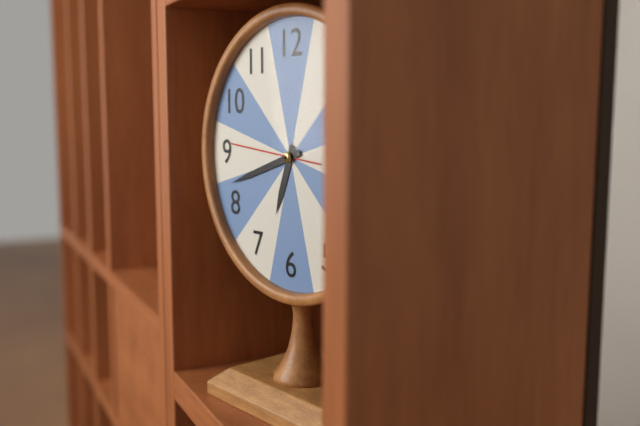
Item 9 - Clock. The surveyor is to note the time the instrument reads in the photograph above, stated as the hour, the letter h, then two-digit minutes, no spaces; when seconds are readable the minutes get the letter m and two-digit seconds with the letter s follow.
6h42m46s
